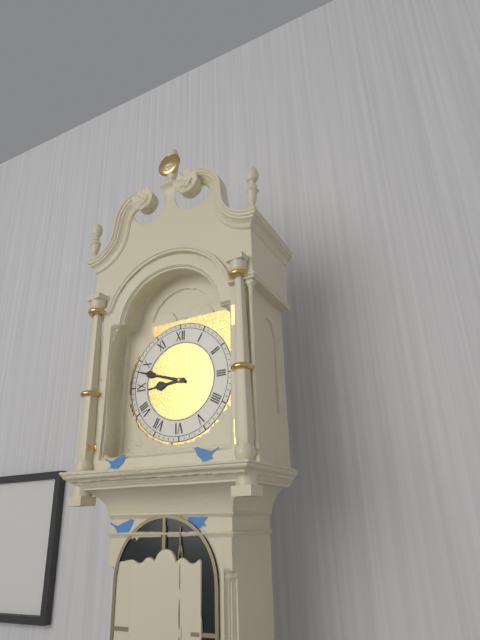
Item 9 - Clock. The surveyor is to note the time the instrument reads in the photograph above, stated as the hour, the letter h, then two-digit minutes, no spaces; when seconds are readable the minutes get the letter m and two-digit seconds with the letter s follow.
8h48
